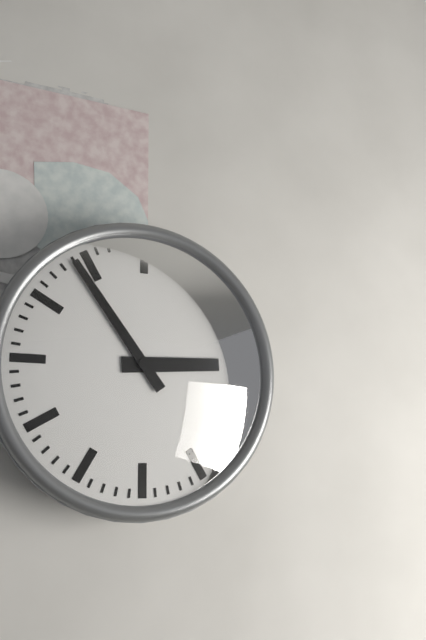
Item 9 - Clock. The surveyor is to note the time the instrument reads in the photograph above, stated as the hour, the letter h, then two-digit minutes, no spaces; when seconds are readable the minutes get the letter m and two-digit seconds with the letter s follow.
2h54
